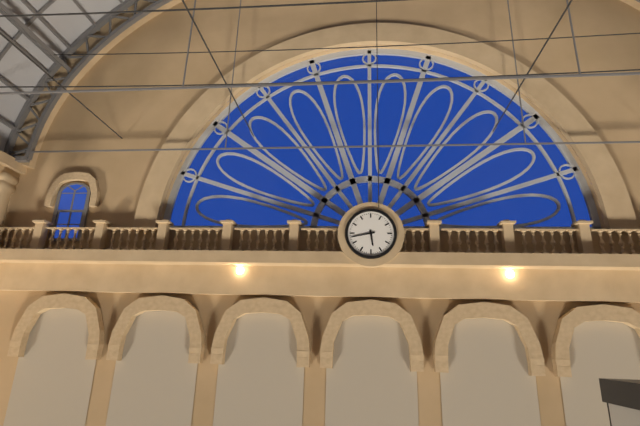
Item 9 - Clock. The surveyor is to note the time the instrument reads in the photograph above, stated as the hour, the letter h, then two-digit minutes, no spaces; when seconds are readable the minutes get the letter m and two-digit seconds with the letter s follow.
5h43
